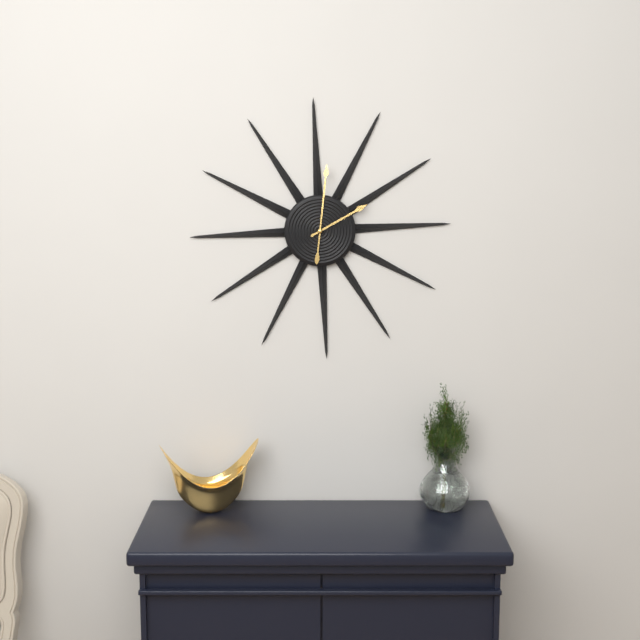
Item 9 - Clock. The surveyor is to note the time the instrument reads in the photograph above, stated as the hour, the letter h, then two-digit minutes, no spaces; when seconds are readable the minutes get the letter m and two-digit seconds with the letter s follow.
2h01
